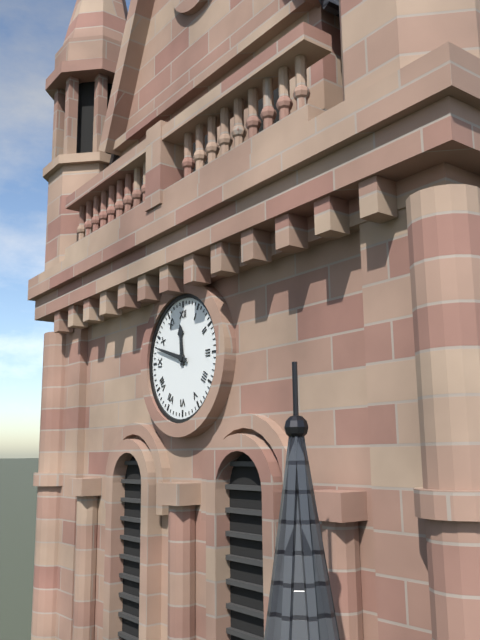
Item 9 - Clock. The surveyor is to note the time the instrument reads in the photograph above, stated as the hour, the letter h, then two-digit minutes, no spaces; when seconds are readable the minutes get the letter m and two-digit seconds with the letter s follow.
11h48
